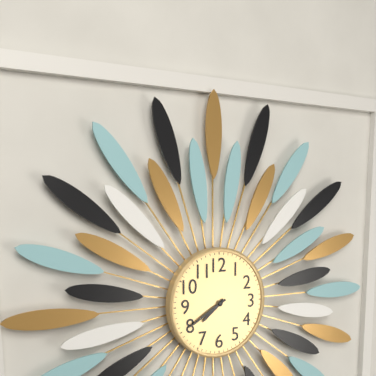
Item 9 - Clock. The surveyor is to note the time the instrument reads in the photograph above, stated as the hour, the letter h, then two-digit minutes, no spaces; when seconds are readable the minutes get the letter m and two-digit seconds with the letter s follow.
7h40
